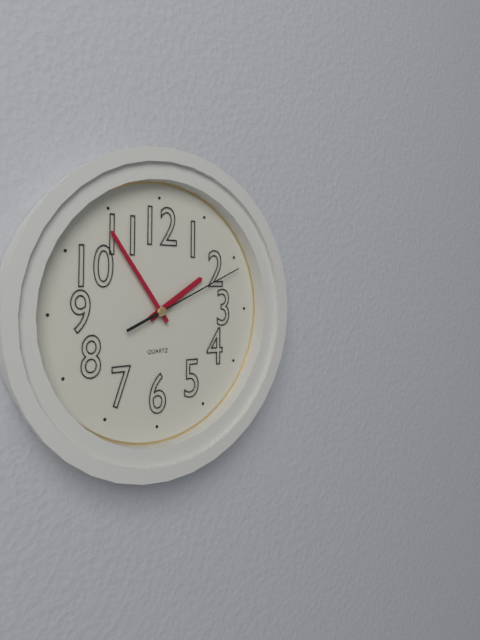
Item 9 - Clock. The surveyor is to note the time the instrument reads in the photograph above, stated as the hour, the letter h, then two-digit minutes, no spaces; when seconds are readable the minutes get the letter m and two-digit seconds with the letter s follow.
1h54m11s
